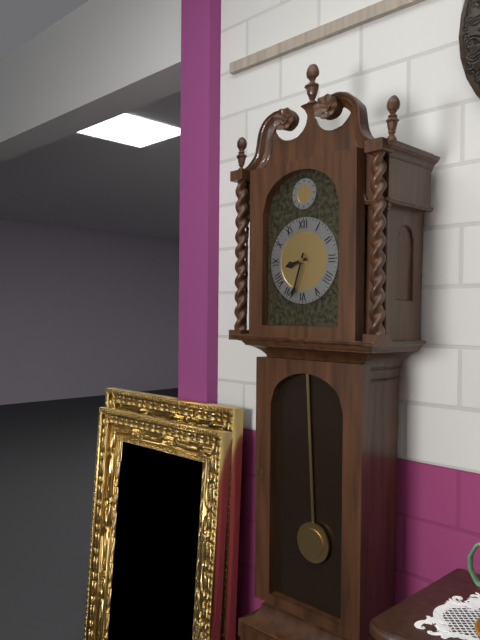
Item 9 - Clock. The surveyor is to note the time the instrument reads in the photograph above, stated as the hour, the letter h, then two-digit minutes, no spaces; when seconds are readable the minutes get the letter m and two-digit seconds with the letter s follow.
8h33
